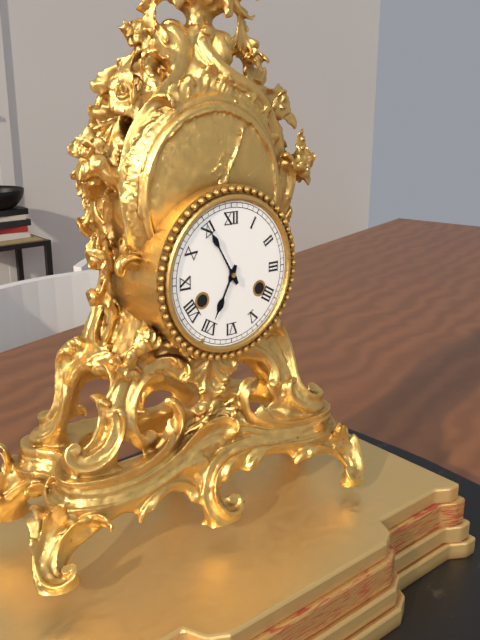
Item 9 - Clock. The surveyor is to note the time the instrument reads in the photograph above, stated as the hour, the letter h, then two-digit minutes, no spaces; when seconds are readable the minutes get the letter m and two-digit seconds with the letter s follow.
6h55
